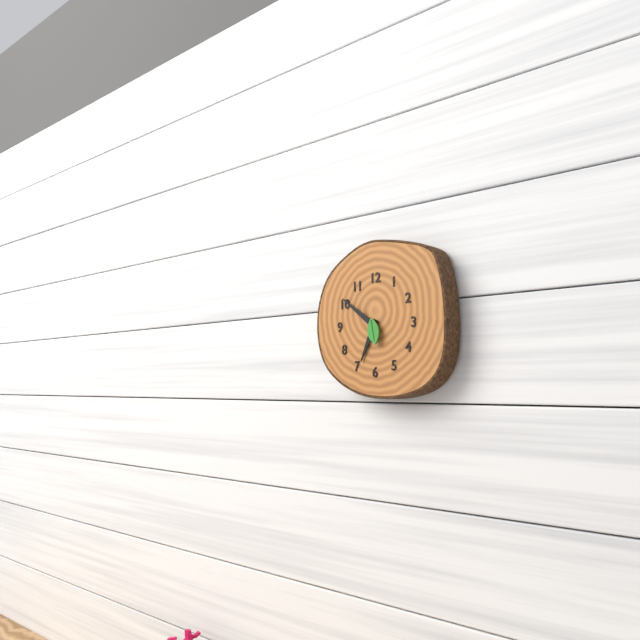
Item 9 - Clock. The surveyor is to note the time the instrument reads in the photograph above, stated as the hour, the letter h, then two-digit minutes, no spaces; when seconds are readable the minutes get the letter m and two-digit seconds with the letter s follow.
6h51
